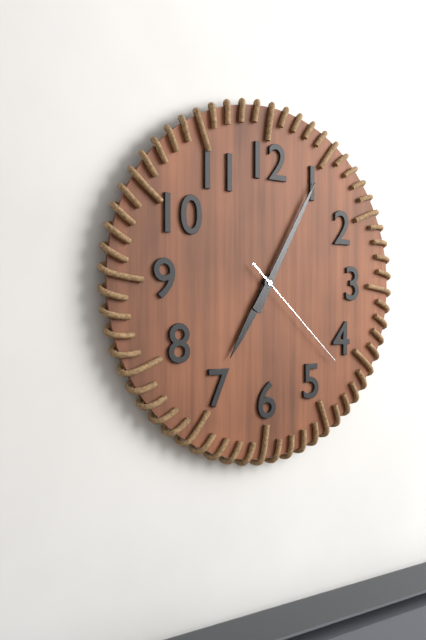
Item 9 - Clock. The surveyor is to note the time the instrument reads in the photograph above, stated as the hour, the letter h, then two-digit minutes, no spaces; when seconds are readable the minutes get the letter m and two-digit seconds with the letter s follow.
7h05m22s
